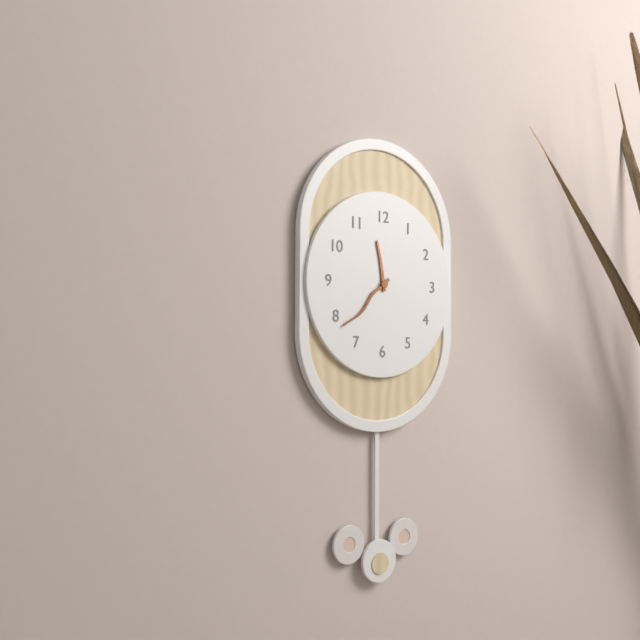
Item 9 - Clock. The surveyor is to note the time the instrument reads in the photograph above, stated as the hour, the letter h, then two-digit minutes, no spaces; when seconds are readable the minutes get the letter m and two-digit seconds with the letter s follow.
11h38
